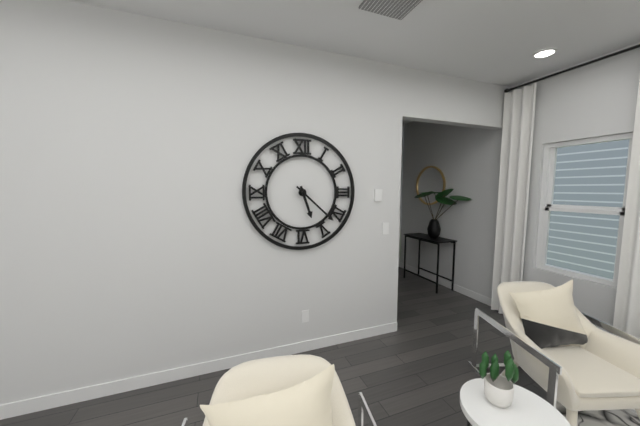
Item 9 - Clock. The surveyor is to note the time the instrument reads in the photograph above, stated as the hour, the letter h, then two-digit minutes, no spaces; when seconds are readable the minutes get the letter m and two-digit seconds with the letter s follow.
5h22
